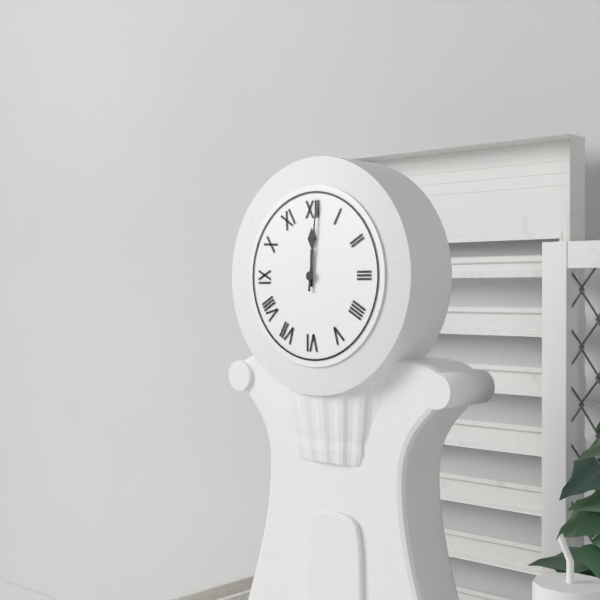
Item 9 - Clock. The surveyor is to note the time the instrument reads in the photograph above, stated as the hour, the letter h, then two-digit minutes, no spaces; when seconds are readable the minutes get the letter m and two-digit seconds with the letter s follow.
12h01
